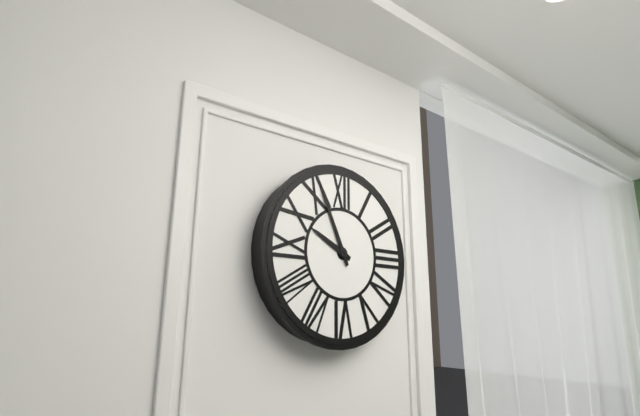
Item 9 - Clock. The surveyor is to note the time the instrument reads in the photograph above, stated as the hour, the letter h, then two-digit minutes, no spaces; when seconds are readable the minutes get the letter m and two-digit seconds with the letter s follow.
9h56
